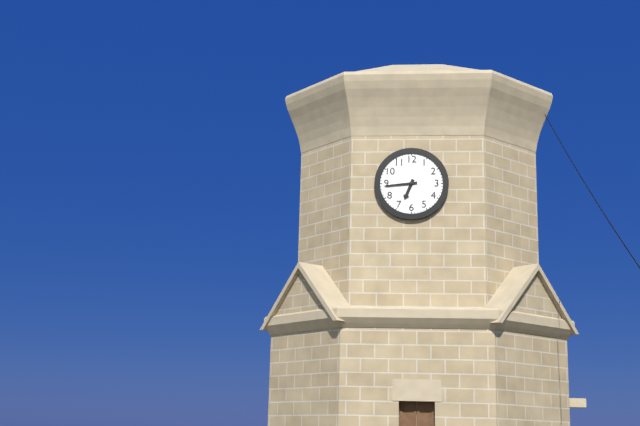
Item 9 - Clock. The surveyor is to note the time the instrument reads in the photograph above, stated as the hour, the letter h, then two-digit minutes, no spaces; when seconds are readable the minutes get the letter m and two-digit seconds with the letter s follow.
6h44
